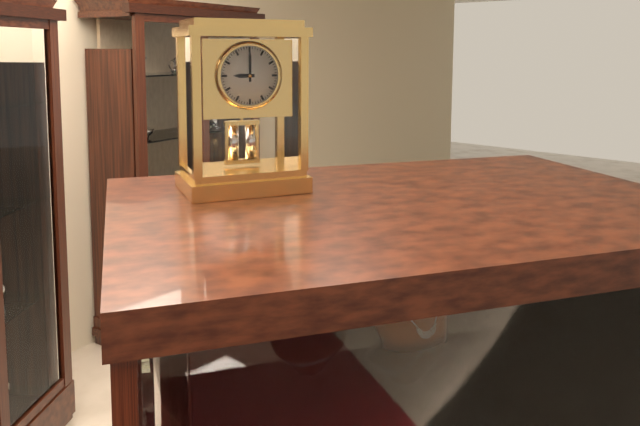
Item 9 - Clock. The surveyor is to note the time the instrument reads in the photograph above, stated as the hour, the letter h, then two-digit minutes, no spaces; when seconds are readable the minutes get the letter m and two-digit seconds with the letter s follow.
9h00
